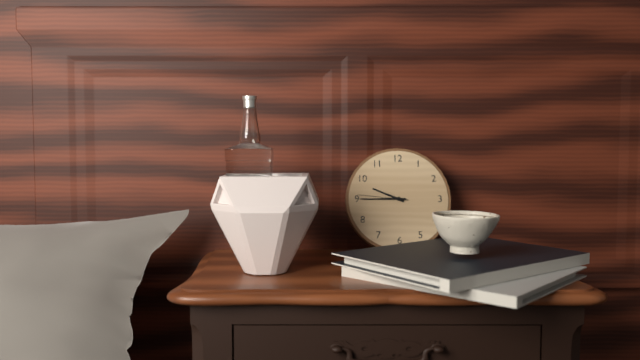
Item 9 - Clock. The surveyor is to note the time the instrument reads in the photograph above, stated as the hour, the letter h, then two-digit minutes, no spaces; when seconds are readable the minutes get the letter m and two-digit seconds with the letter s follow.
9h45m46s
